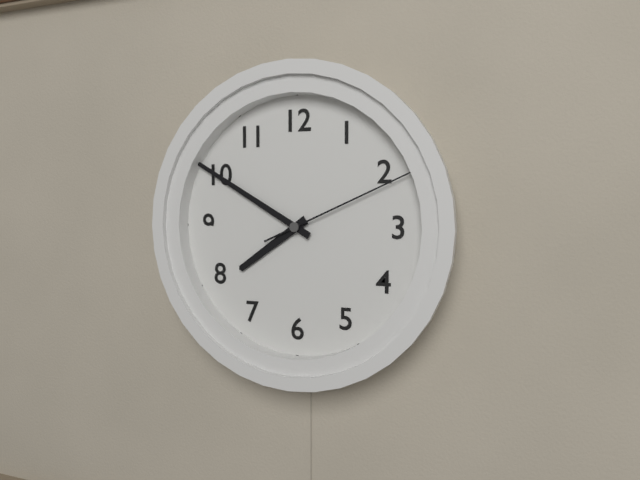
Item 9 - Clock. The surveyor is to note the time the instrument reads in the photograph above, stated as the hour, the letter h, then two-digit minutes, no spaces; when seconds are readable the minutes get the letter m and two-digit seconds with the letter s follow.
7h50m11s
